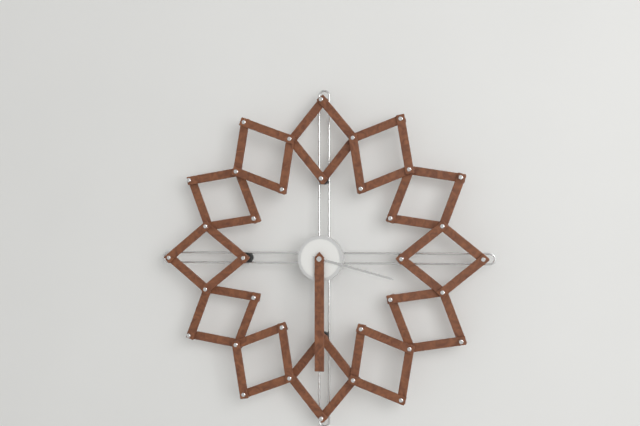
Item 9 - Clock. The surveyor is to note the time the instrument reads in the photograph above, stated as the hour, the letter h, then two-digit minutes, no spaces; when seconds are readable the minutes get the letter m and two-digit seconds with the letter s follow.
3h30
